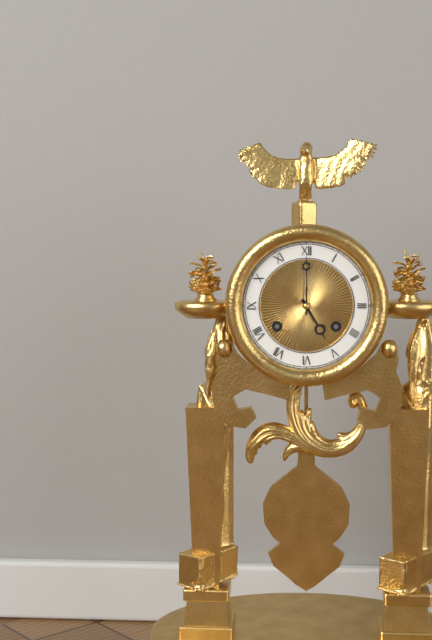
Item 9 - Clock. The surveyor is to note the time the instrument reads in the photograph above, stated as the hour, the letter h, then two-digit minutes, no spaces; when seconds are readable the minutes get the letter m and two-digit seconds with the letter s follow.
5h00
